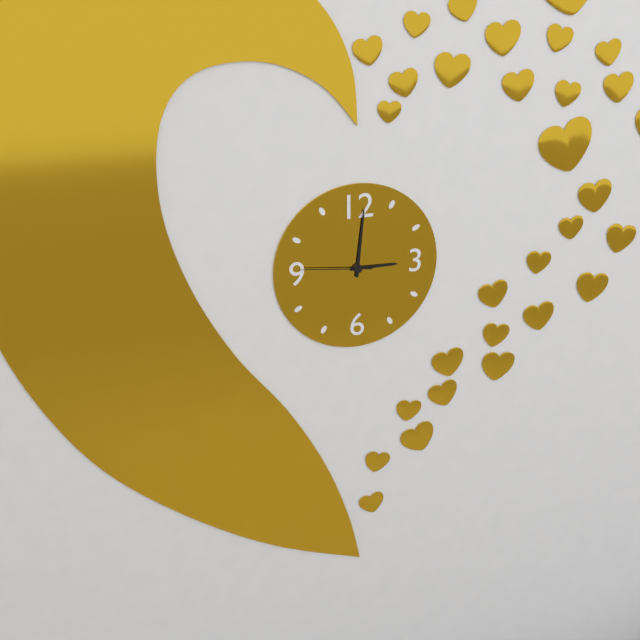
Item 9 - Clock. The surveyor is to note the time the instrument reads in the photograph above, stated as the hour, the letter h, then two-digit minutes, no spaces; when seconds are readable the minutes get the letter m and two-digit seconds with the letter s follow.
3h01m46s
